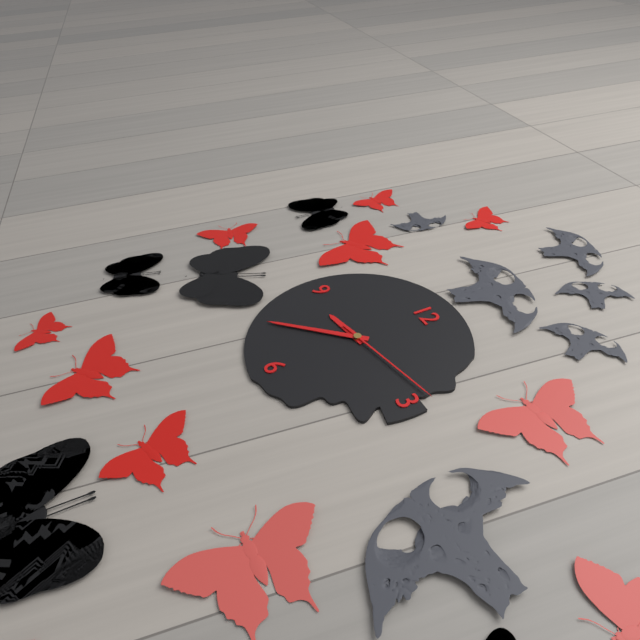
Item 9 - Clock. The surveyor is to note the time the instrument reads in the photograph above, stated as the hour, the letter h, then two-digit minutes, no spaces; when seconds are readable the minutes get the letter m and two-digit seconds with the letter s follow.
8h37m13s
